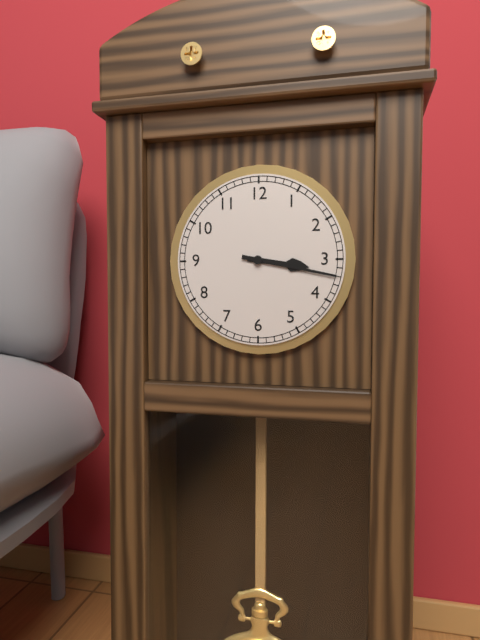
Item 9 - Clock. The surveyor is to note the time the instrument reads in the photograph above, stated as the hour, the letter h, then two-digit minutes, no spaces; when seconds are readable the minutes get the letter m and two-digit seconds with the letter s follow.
3h17
